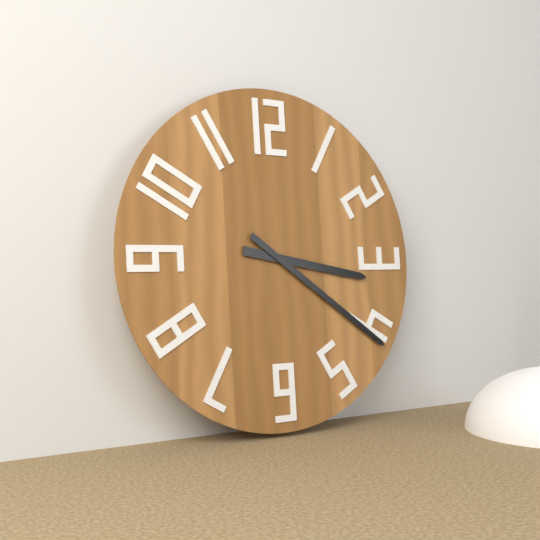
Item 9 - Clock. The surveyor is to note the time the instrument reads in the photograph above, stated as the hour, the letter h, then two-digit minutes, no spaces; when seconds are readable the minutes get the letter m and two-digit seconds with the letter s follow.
3h21
